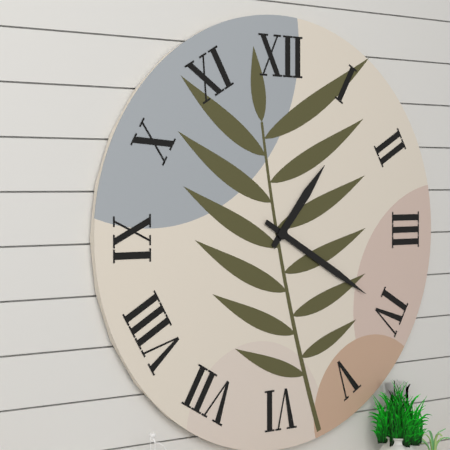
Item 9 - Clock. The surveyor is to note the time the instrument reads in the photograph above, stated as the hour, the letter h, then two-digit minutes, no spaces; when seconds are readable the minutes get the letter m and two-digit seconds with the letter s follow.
1h20
